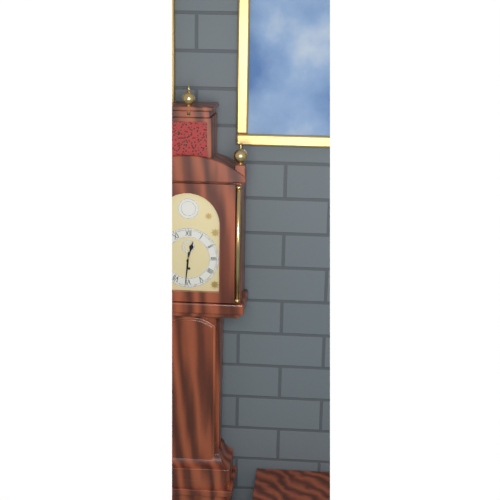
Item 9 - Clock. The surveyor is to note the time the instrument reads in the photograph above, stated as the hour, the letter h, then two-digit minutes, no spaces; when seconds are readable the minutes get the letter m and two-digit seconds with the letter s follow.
12h31
